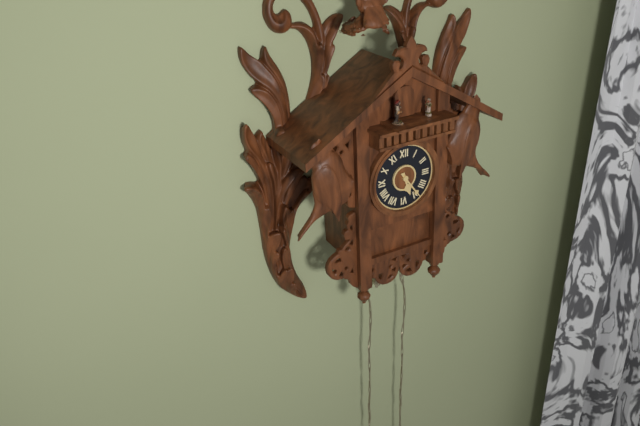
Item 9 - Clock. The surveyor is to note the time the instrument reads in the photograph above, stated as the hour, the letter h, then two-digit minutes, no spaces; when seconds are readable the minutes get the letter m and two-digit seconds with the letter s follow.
5h24
